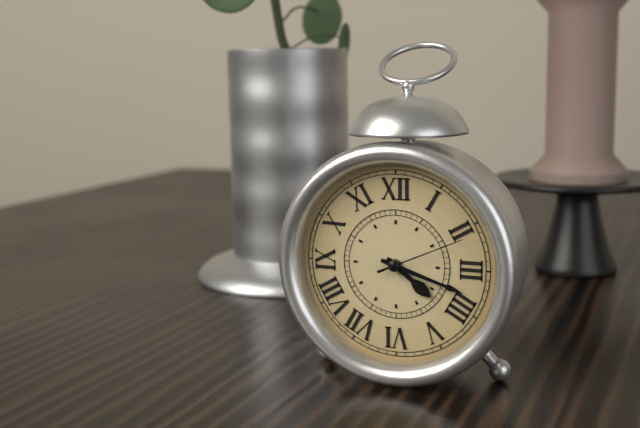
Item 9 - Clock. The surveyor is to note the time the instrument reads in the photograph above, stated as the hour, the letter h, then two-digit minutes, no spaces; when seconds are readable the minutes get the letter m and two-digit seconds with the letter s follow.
4h18m11s
